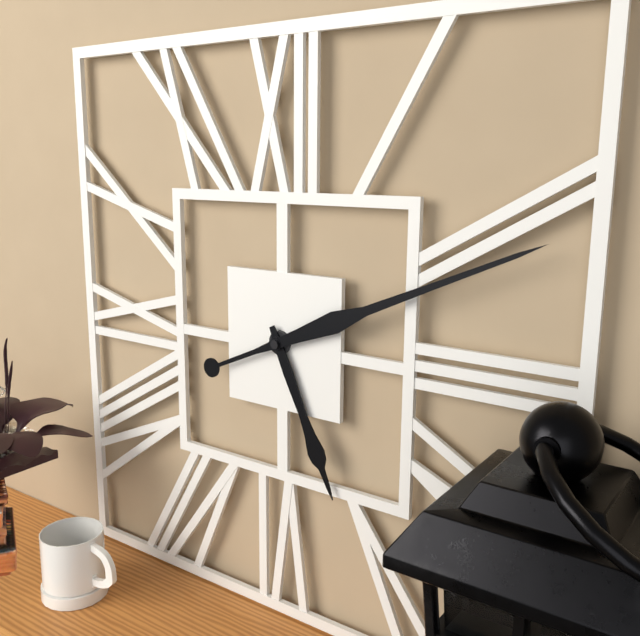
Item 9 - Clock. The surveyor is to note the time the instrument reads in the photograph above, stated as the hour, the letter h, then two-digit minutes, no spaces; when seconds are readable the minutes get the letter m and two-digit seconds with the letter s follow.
5h11
